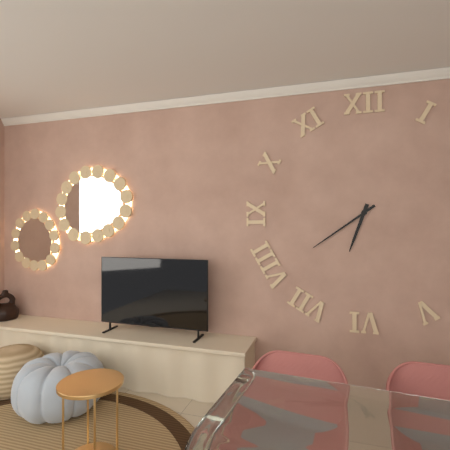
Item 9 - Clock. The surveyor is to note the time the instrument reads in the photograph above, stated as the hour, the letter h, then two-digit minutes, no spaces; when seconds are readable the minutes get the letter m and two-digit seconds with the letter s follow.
6h39
